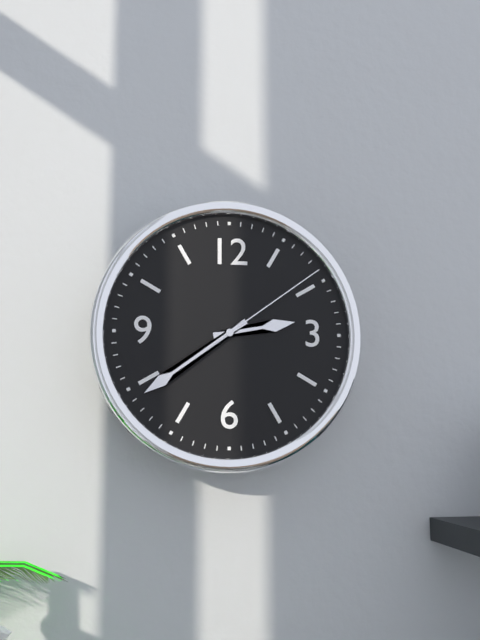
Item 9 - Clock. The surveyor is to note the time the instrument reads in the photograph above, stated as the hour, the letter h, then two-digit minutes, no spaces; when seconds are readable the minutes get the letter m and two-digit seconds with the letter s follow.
2h39m09s
